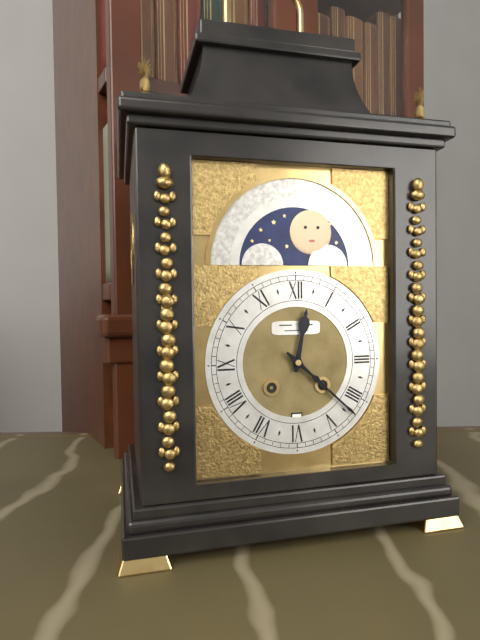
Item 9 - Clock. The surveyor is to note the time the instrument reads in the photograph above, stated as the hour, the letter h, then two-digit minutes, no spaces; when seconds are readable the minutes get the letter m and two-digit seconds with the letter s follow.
12h22
